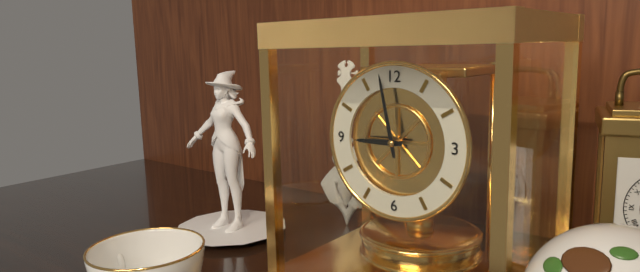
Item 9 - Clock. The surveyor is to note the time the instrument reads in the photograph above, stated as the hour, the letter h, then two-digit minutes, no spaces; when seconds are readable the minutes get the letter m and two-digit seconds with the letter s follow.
8h58
